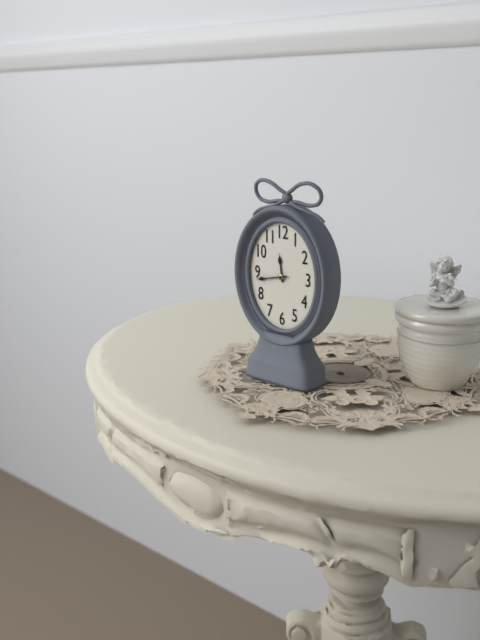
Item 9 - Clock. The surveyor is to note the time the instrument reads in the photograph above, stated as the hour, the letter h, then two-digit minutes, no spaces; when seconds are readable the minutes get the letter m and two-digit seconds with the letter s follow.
11h43
